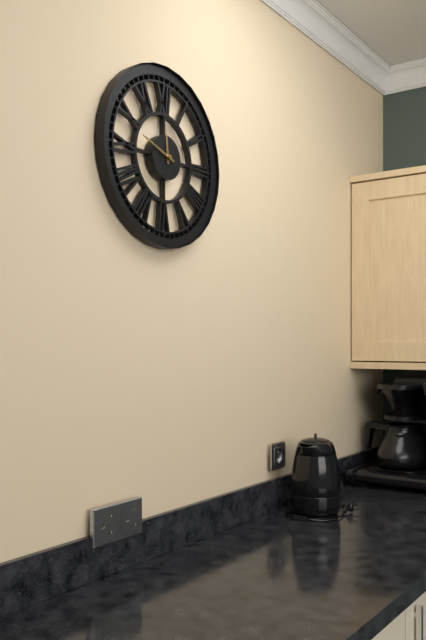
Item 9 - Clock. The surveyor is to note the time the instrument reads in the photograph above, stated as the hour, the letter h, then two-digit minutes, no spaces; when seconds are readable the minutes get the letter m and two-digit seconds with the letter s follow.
11h48
